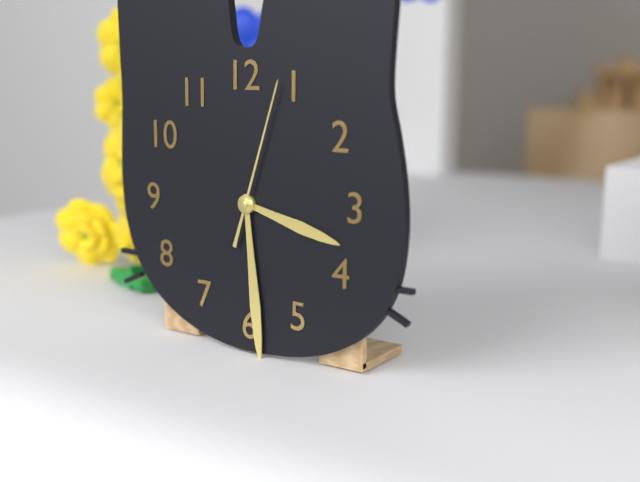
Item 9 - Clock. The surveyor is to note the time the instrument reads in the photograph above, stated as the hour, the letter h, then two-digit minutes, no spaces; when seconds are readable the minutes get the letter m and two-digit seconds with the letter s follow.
3h29m03s
